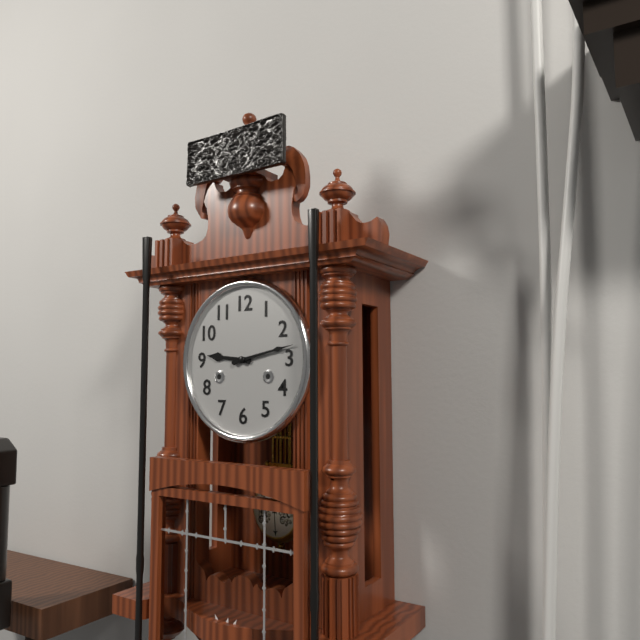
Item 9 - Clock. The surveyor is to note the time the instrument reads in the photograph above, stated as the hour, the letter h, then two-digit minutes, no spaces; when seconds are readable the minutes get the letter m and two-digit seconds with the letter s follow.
9h13
